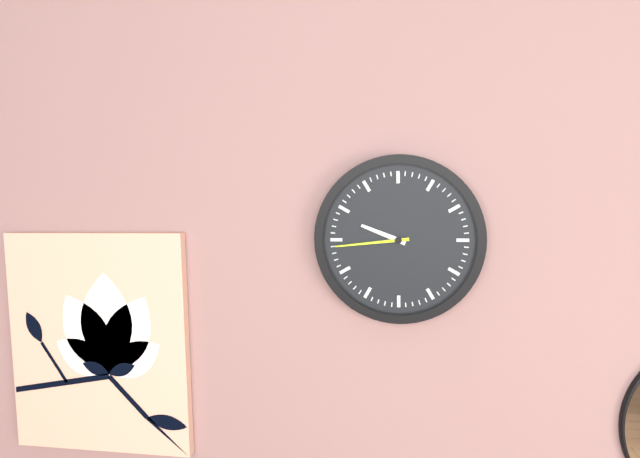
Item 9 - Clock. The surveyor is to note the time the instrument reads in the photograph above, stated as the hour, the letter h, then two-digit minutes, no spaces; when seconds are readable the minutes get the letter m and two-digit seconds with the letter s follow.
9h44
